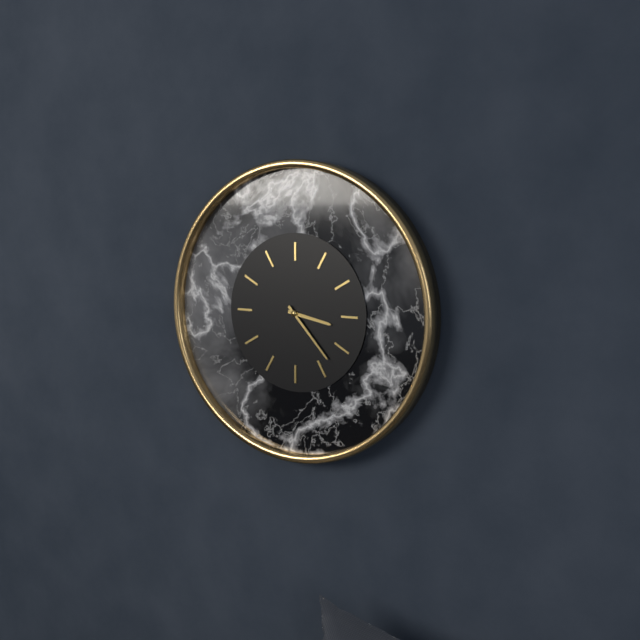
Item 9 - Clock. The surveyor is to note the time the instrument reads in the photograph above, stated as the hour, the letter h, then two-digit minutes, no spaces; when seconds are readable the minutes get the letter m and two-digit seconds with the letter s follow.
3h23
